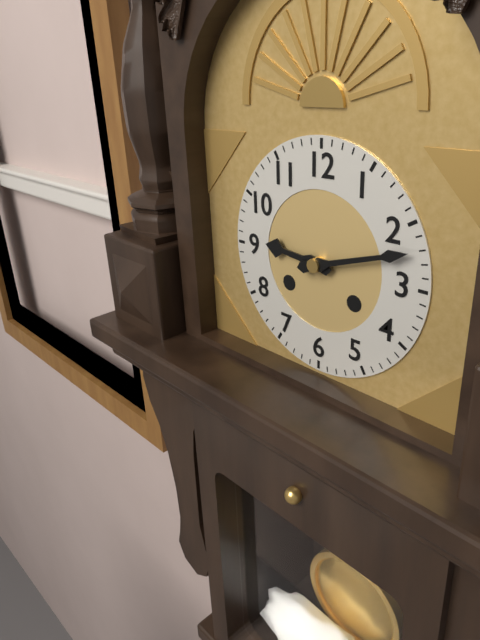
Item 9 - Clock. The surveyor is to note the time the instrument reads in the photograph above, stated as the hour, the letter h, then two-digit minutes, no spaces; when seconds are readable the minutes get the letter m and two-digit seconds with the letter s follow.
9h12
